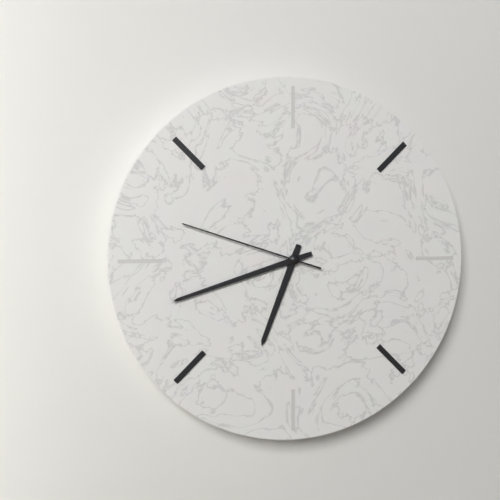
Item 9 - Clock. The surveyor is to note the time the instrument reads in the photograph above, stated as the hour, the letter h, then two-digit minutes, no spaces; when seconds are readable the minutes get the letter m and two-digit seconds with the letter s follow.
6h42m48s
